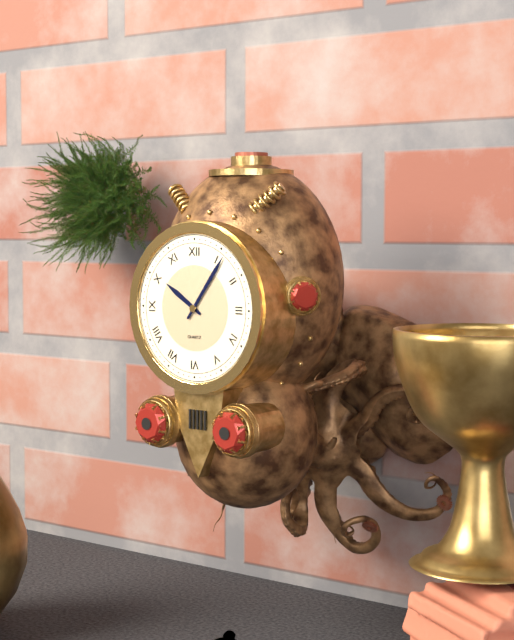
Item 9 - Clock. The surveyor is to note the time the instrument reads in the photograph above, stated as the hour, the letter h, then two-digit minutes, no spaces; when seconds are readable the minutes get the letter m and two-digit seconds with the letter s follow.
10h06
